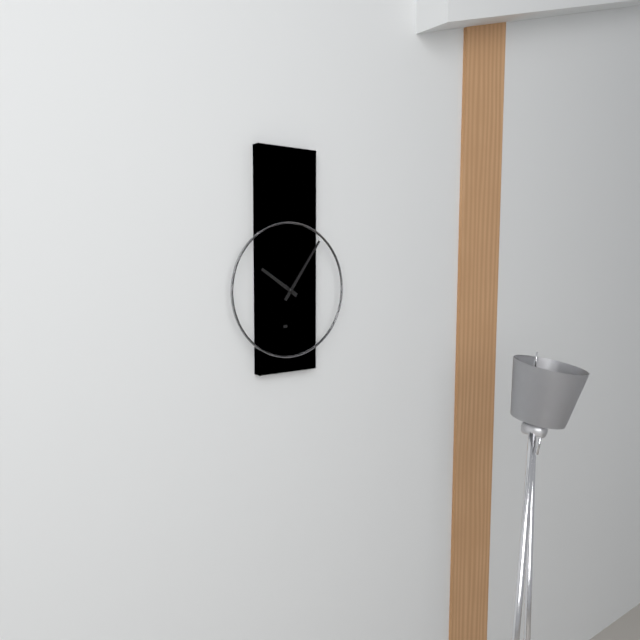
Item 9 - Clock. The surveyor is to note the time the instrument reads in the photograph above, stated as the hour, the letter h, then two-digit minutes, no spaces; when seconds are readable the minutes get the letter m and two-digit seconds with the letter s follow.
10h06
